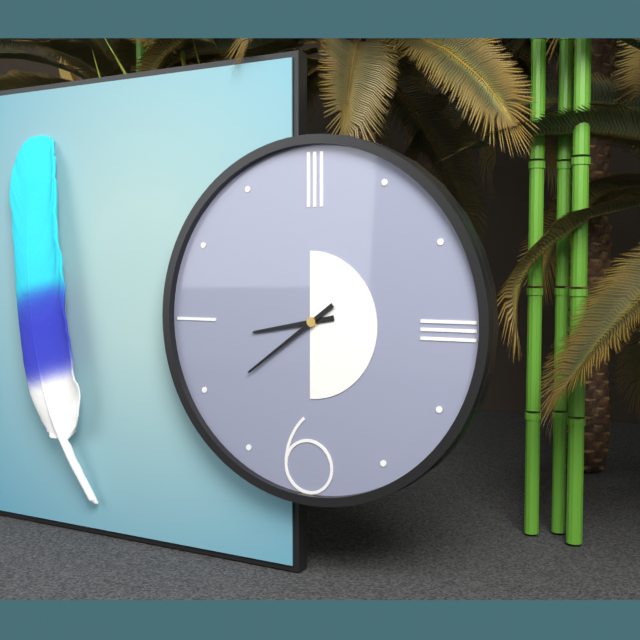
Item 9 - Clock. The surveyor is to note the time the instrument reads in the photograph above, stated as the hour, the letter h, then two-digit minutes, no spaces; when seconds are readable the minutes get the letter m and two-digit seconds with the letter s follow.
8h39
